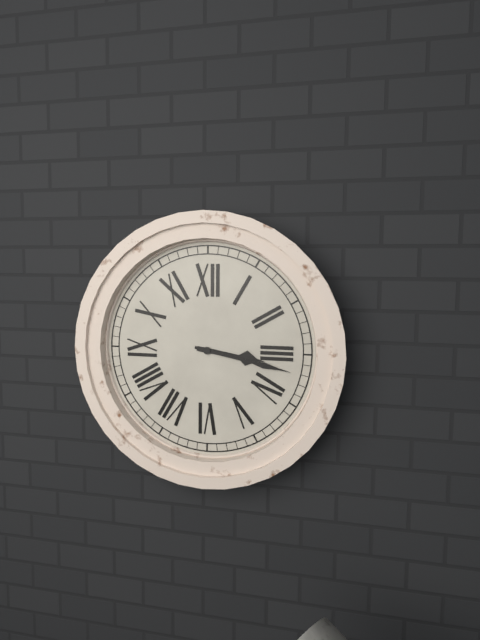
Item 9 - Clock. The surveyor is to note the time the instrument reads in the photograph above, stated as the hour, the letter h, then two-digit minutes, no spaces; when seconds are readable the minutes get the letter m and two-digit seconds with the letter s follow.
3h17
